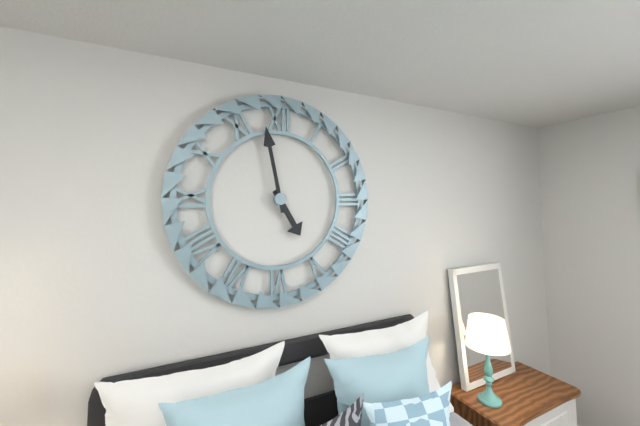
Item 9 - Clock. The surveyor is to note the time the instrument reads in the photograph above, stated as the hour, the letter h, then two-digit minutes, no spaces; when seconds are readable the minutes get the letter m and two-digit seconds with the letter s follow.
4h58
